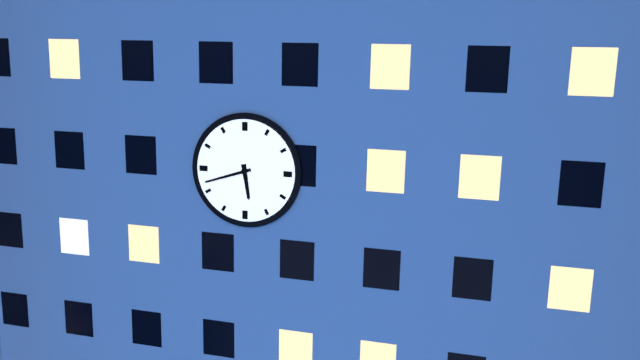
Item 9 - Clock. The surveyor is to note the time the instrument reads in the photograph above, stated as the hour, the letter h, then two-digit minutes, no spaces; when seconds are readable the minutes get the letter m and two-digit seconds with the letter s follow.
5h42
